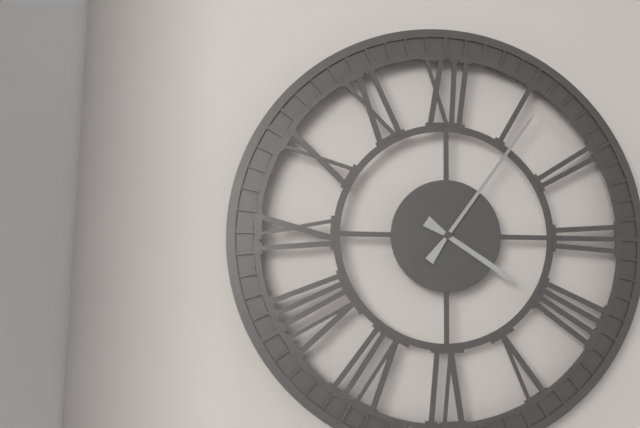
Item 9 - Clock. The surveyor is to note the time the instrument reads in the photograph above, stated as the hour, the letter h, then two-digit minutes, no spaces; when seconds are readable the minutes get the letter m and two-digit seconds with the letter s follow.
4h06
